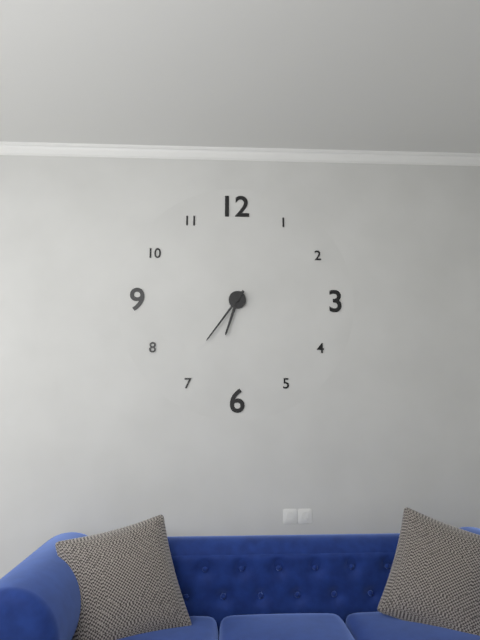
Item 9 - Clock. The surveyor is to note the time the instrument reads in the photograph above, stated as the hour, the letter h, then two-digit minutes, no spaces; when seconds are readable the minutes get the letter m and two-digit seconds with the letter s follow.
6h36
